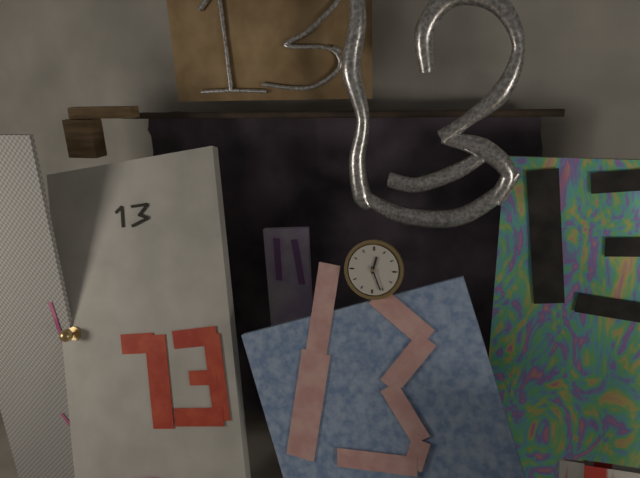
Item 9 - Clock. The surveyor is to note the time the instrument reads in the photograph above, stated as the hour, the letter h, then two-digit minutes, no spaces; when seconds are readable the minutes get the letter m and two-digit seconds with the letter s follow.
12h26
